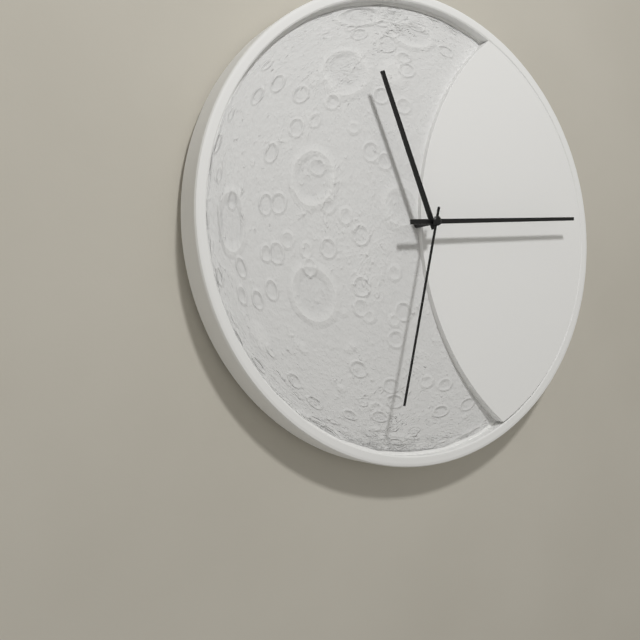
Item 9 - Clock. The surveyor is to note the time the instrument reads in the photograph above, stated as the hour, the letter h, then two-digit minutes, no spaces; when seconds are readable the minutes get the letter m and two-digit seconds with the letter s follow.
11h14m32s
